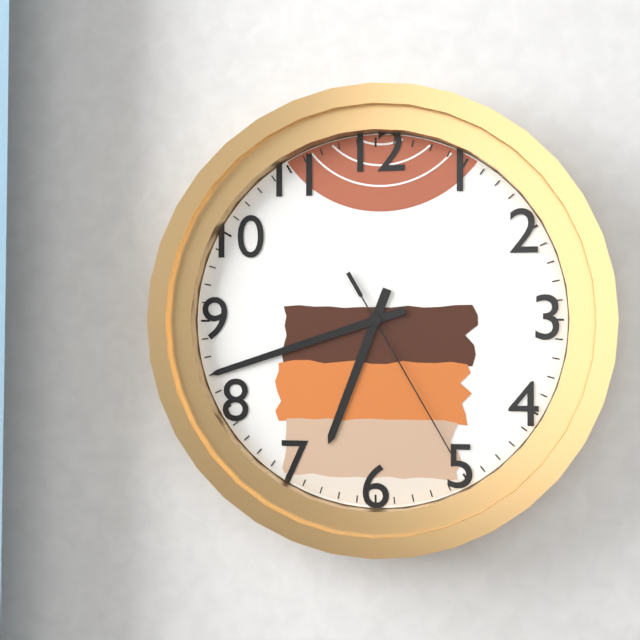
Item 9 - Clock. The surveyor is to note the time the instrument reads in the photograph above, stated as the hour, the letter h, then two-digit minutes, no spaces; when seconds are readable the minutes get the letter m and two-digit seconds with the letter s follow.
6h42m25s
